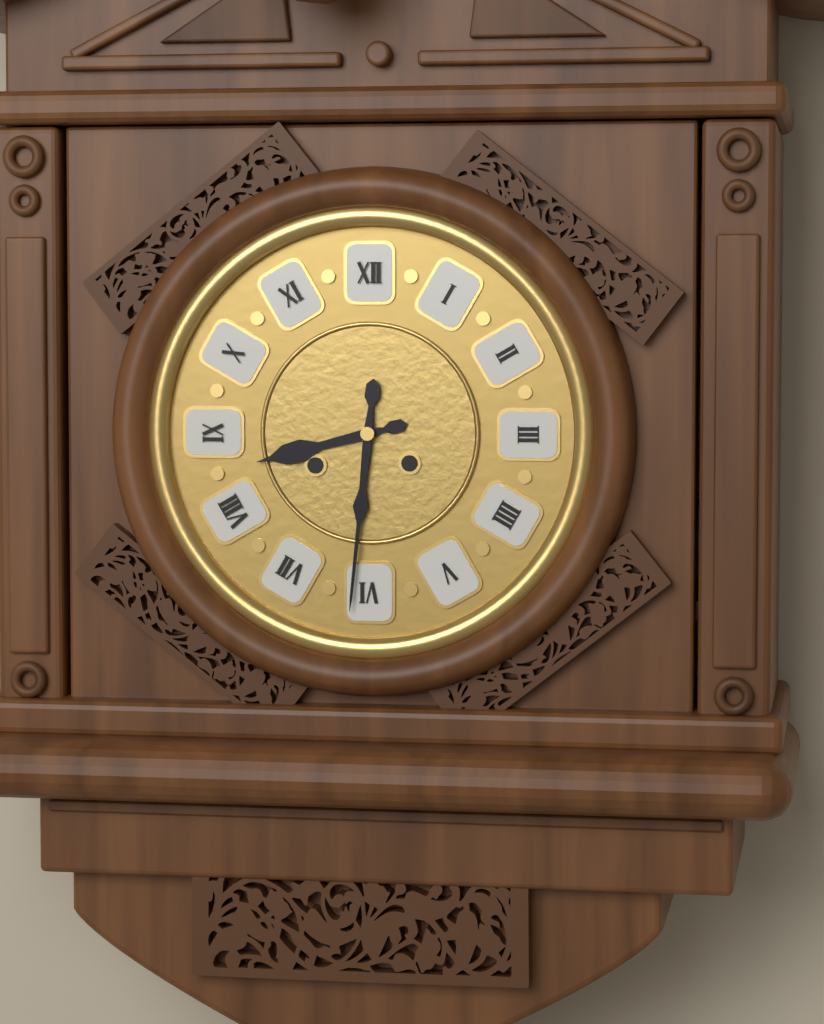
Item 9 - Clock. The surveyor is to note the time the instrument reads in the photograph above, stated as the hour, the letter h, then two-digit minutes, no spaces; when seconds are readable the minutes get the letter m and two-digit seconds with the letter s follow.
8h31
